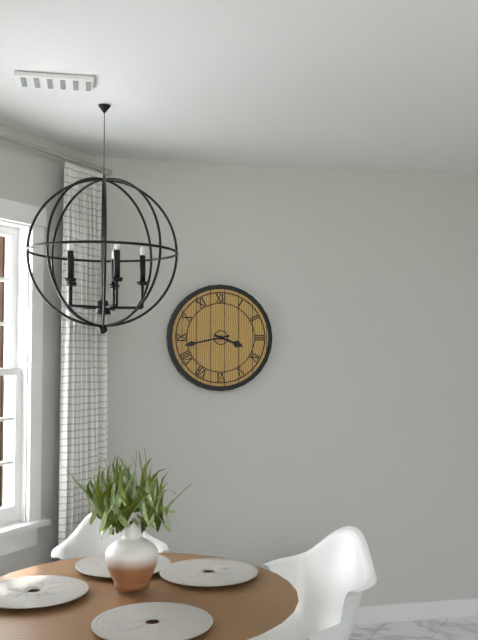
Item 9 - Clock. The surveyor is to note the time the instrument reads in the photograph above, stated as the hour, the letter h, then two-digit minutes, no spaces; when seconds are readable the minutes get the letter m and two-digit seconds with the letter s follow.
3h43
